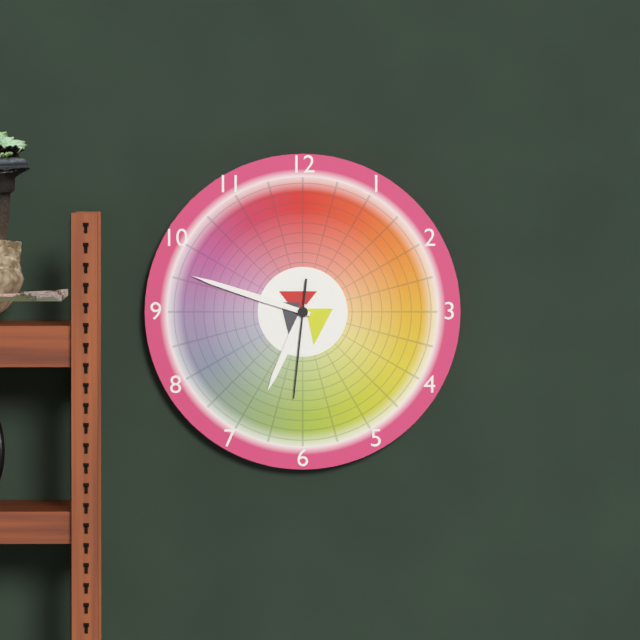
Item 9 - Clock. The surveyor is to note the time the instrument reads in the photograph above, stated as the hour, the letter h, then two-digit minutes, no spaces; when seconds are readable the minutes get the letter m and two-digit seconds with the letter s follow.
6h48m31s
